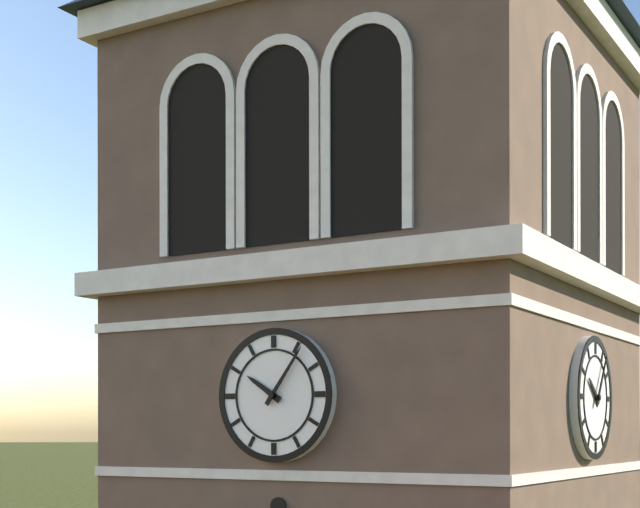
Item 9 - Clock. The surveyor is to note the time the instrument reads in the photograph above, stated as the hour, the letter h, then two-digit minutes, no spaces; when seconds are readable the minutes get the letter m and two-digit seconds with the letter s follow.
10h06
